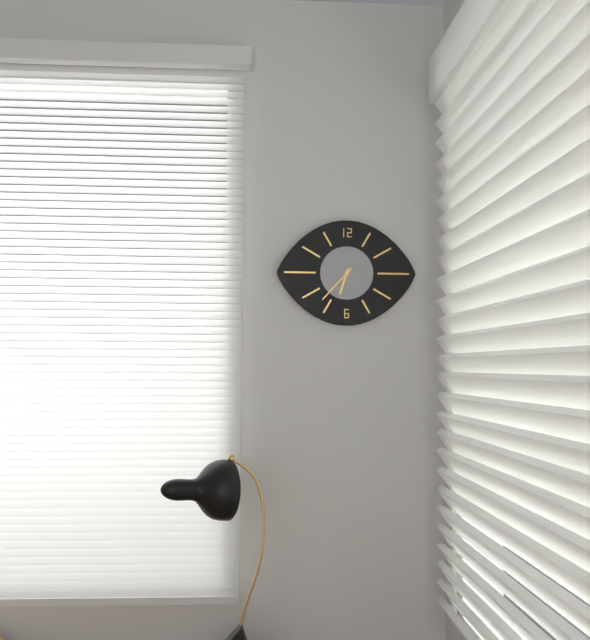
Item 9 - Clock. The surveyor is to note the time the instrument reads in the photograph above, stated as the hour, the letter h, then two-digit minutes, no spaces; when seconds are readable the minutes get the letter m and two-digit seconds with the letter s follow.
6h37
